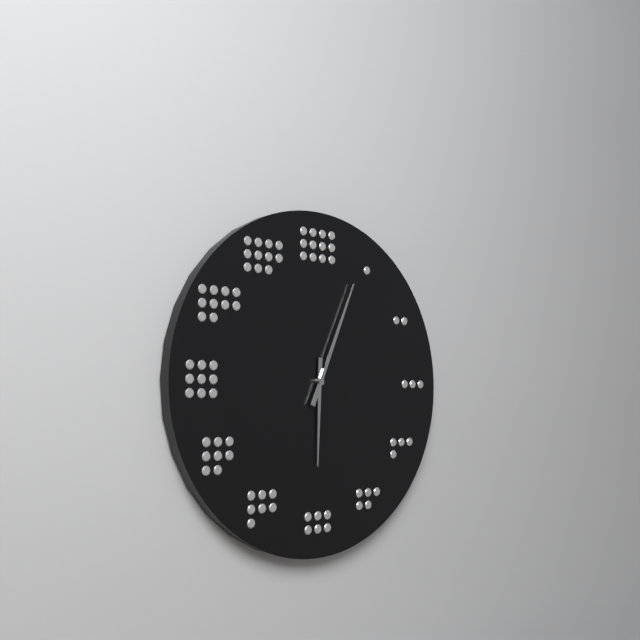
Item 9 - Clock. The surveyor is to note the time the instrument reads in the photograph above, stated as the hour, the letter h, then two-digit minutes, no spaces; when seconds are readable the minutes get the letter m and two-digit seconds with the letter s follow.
6h04
